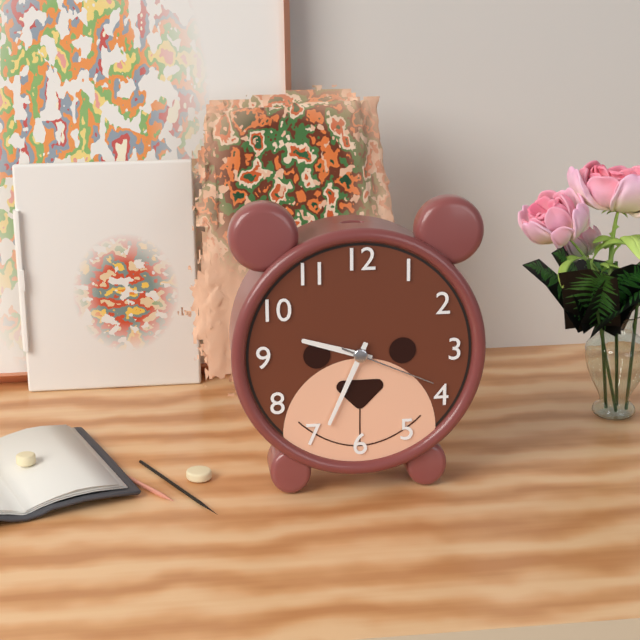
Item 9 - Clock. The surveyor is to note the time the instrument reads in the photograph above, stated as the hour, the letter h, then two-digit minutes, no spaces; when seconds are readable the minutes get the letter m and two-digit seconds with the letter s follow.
9h34m19s
